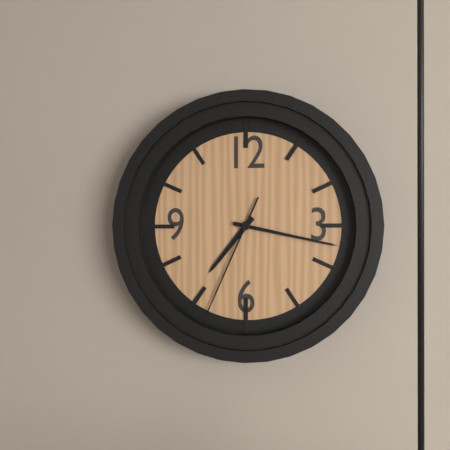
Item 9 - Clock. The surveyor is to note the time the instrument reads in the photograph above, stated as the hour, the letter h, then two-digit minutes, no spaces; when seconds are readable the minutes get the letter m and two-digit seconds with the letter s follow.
7h17m34s
